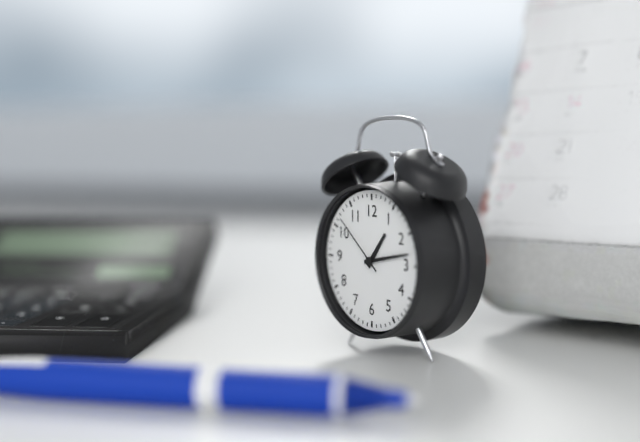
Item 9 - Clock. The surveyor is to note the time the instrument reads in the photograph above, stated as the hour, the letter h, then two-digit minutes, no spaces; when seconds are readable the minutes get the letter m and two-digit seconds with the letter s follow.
1h13m52s
